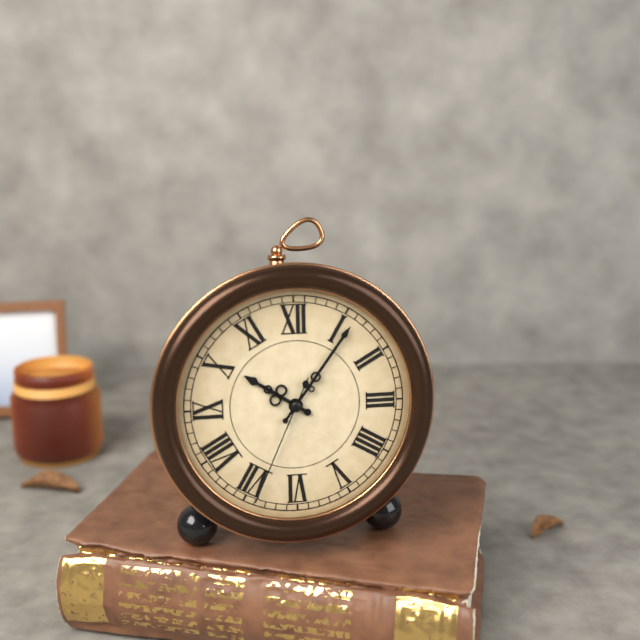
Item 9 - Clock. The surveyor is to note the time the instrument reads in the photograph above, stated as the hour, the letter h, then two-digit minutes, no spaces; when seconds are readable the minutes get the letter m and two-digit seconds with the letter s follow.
10h06m34s
